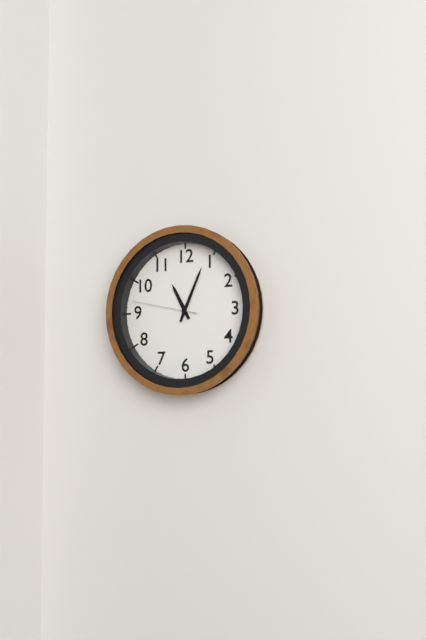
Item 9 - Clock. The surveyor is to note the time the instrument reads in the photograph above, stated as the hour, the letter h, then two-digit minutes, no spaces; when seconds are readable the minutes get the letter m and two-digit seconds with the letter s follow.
11h04m47s
